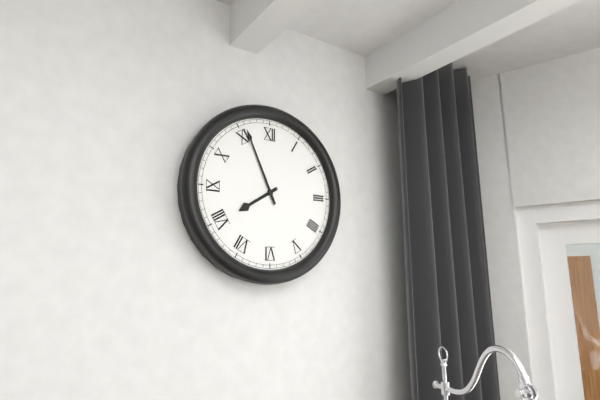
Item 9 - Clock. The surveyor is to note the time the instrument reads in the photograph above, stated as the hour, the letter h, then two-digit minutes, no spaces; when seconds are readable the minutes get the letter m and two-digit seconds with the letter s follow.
7h56
